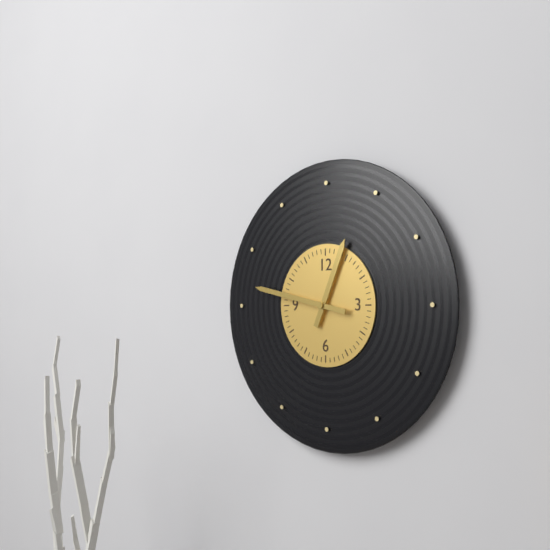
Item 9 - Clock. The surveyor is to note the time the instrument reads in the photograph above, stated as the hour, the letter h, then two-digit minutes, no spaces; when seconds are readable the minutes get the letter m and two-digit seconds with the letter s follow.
12h47
